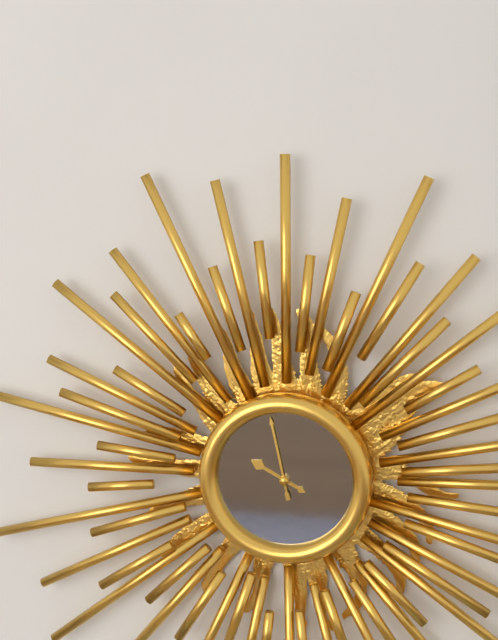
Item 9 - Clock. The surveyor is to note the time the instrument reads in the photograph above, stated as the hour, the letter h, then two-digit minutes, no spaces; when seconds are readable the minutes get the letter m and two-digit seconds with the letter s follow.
9h58
